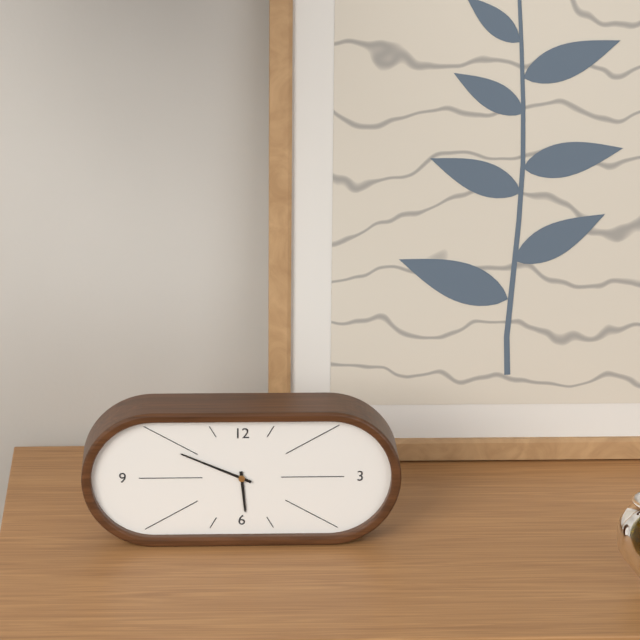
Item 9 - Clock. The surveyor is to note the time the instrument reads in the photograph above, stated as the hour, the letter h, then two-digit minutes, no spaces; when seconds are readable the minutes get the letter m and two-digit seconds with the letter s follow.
5h49
